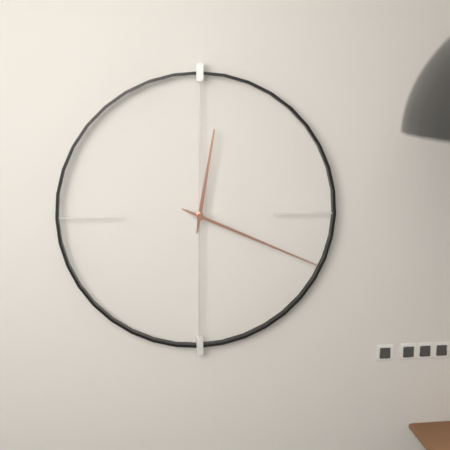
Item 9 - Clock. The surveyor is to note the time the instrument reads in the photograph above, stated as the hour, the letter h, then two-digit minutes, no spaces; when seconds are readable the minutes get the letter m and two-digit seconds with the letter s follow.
12h19
